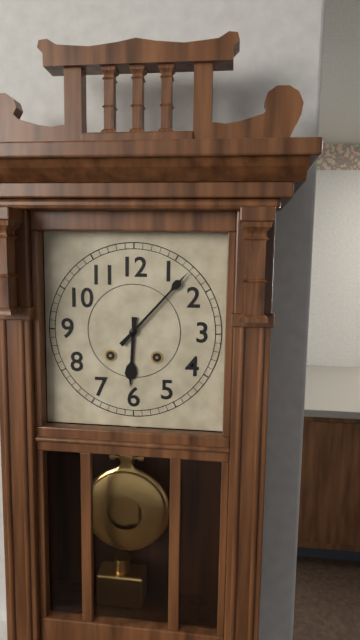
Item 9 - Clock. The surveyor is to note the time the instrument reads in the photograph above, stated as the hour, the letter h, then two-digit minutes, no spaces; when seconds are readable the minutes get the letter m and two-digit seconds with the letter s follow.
6h07
